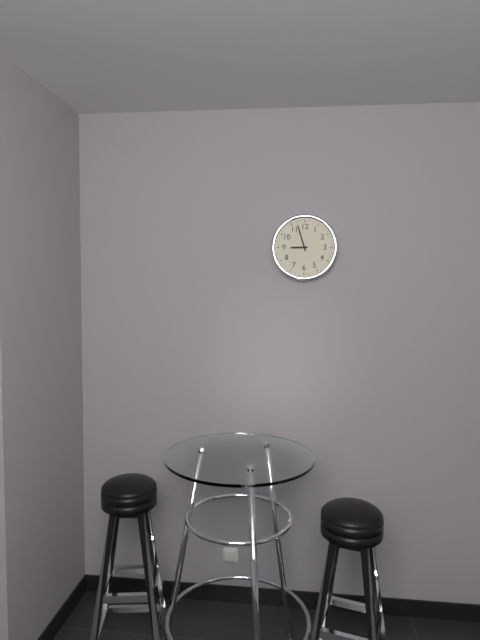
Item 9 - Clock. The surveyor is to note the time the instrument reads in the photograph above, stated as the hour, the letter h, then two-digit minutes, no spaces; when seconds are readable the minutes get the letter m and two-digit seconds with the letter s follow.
8h57
